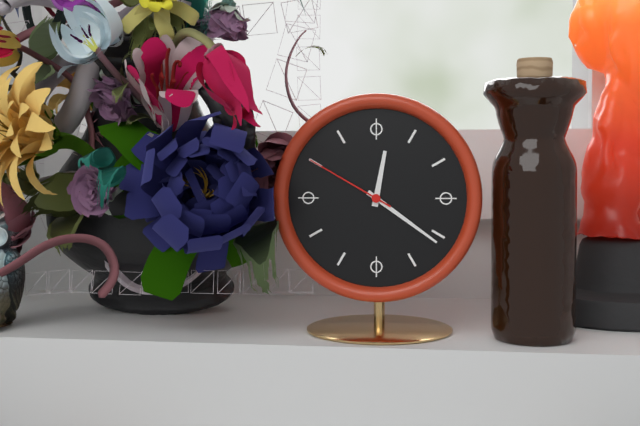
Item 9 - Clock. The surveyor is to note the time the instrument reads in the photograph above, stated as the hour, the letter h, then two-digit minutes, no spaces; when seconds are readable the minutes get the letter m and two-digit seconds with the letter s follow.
12h21m50s
